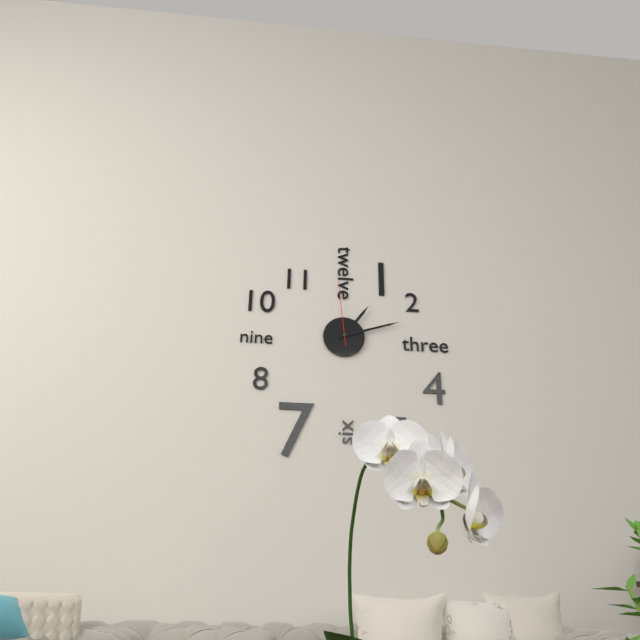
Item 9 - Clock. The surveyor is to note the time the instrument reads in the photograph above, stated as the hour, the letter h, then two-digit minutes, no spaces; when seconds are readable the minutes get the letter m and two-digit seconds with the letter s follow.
1h12m59s
